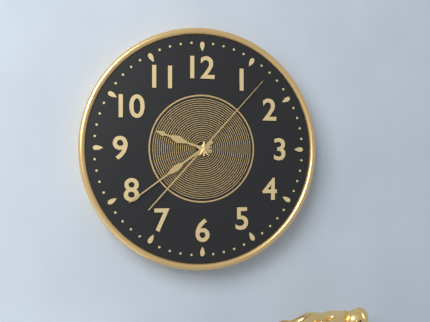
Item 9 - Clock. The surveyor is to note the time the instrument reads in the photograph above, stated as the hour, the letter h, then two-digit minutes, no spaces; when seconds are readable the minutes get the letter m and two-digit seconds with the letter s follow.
9h39m07s
